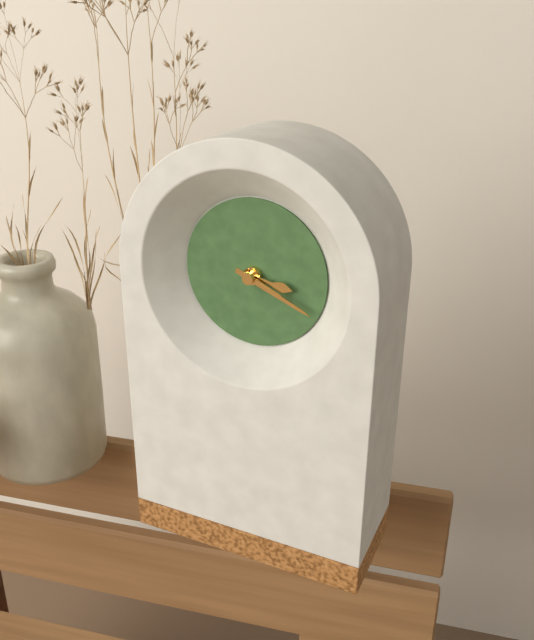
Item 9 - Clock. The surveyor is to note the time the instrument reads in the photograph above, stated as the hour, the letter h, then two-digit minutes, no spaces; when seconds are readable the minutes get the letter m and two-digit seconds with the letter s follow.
3h19
